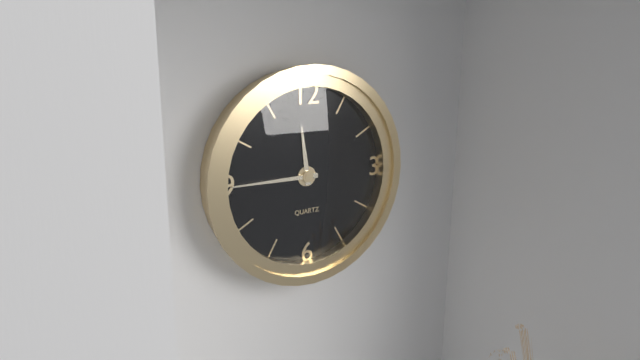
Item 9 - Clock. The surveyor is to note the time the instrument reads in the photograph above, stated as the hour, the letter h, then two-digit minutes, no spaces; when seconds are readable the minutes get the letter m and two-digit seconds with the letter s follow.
11h45
